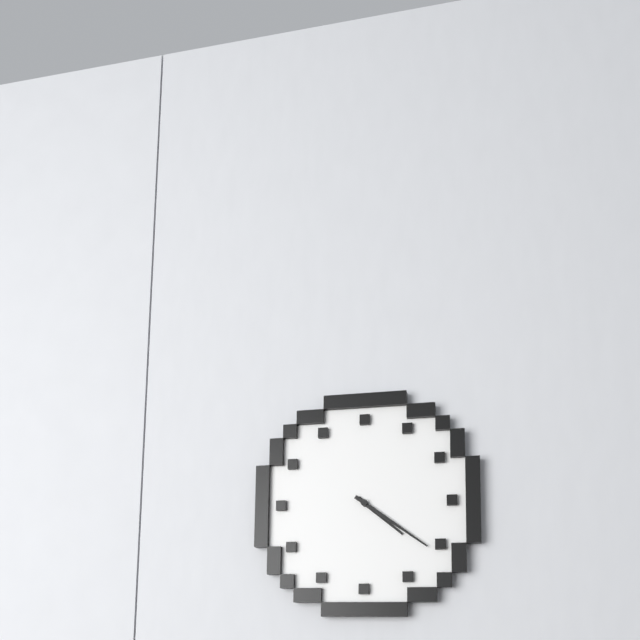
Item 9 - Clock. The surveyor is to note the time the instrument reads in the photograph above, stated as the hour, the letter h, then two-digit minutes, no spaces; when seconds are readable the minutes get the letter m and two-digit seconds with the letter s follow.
4h21
